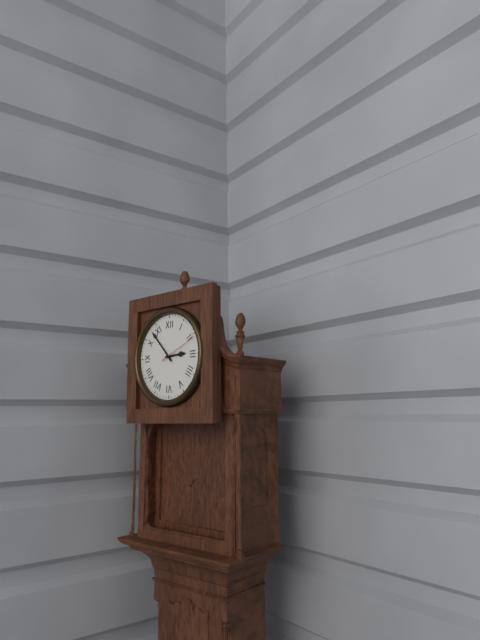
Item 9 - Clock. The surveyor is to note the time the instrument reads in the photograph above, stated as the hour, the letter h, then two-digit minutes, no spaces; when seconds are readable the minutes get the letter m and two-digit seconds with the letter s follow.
2h53
